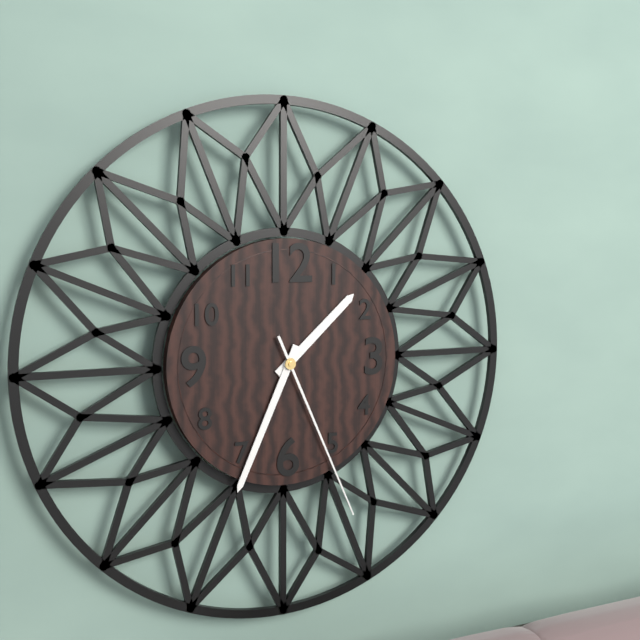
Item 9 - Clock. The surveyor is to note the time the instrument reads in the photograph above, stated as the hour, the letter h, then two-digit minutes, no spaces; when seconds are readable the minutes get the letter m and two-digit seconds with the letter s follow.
1h34m26s
